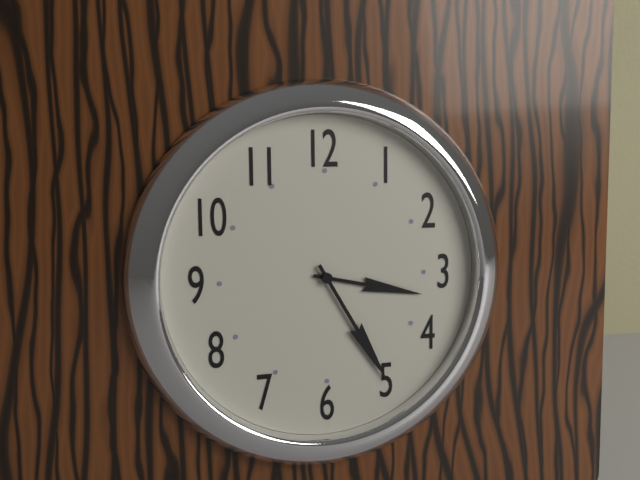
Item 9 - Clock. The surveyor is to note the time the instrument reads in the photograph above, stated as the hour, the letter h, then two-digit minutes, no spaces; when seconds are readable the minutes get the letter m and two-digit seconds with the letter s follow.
3h25
